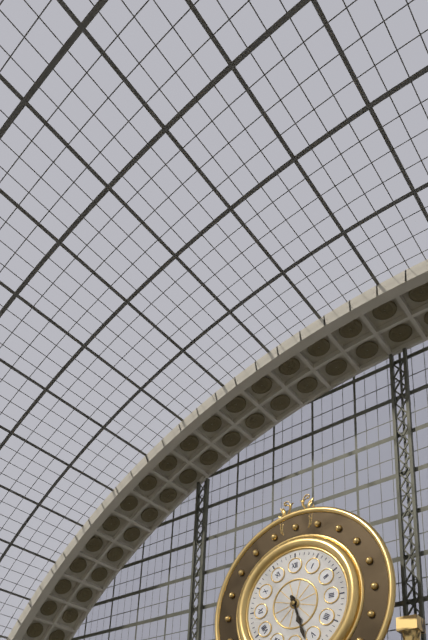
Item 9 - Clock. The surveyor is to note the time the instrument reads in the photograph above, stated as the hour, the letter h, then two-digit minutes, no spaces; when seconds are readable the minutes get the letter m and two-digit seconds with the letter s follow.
5h27
